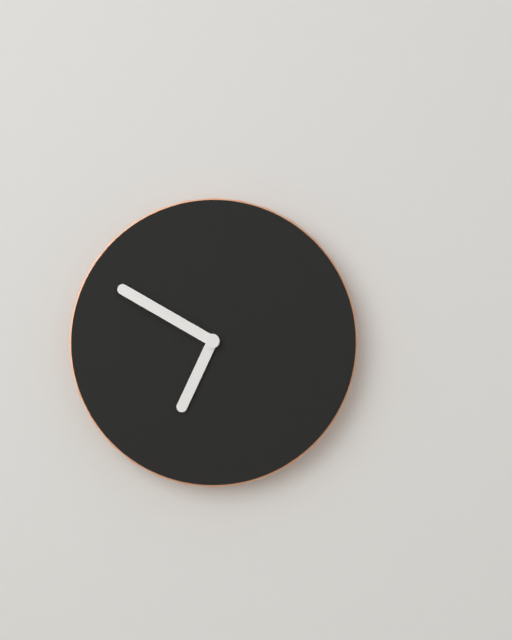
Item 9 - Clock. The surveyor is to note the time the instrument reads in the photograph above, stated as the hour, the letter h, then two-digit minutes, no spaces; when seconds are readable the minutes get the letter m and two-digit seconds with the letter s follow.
6h50
